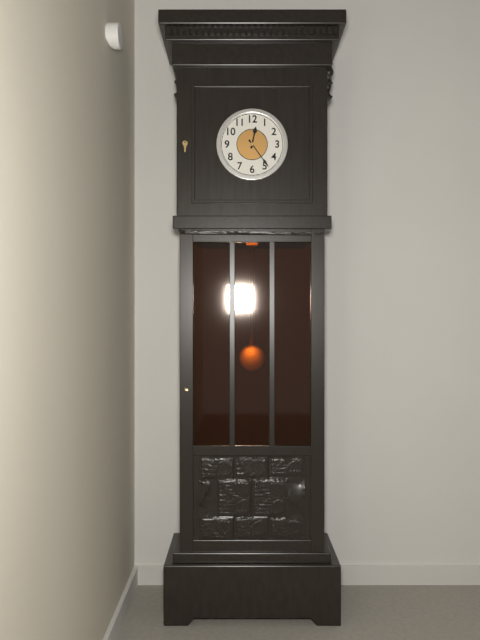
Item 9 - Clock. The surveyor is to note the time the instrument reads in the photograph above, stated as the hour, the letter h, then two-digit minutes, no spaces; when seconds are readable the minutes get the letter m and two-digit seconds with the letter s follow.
12h24
